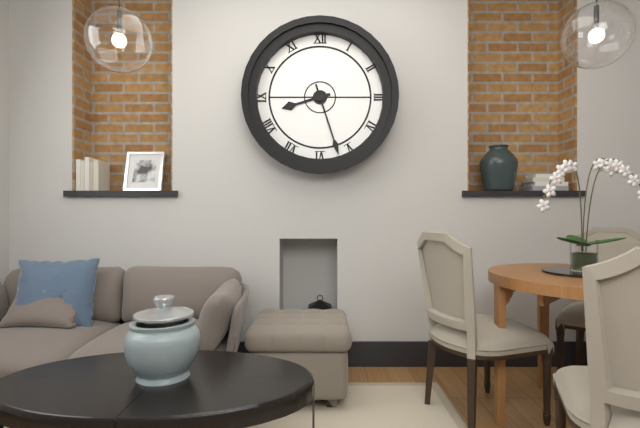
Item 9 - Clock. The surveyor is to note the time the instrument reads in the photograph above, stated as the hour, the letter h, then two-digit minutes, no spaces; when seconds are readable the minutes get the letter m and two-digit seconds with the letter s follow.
8h27
